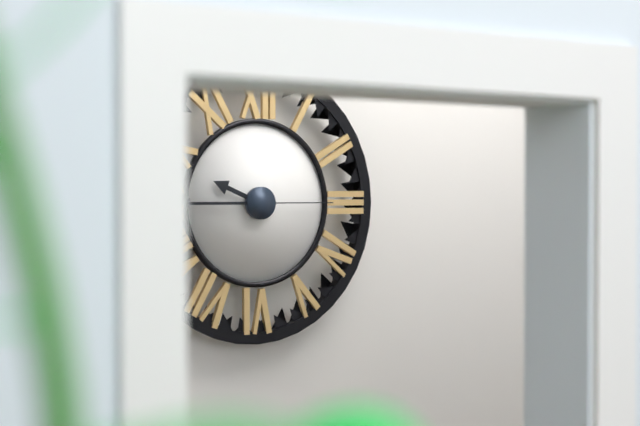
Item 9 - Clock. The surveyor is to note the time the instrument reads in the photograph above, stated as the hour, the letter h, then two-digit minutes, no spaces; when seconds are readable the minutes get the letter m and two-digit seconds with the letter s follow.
9h45m15s
